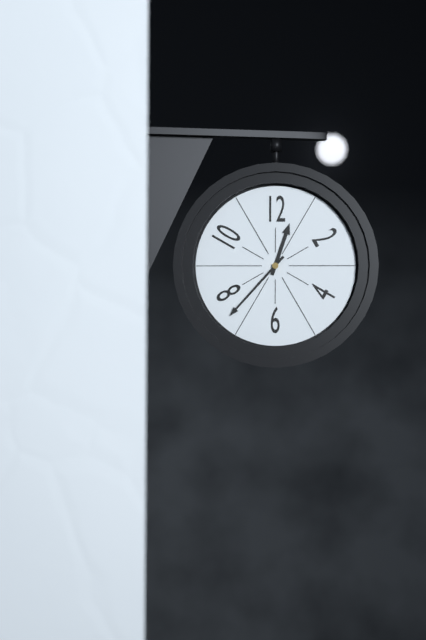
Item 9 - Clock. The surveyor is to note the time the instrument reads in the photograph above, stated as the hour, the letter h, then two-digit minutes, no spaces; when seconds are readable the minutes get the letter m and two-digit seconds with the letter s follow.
12h37
